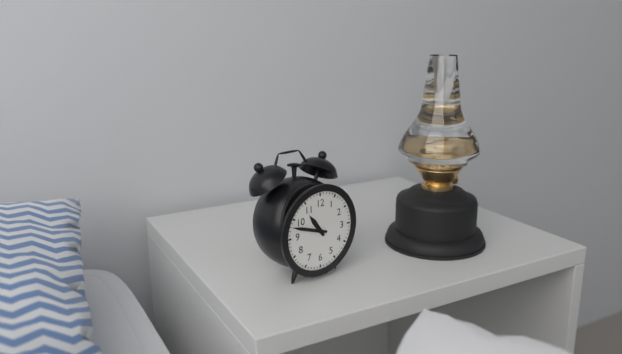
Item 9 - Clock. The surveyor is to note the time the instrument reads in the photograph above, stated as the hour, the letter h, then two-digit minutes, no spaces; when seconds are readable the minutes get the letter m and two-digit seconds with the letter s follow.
10h48
